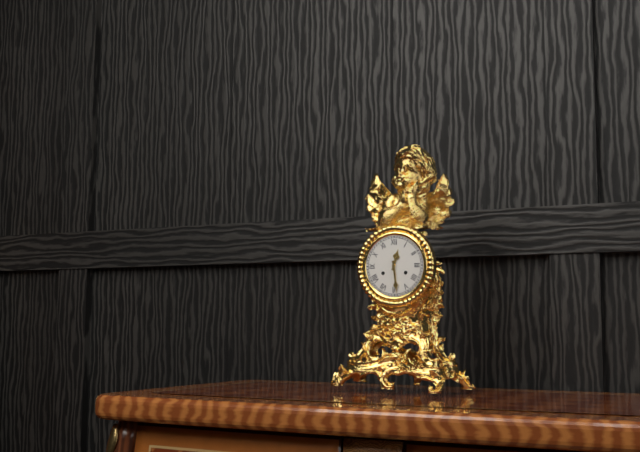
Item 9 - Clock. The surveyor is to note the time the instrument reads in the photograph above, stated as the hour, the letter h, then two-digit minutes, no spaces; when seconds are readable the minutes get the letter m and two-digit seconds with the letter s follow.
12h29
